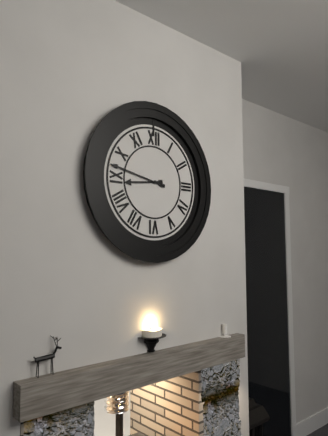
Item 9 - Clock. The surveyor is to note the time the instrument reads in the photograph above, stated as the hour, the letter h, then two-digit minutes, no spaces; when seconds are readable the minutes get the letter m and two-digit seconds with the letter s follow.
8h47
